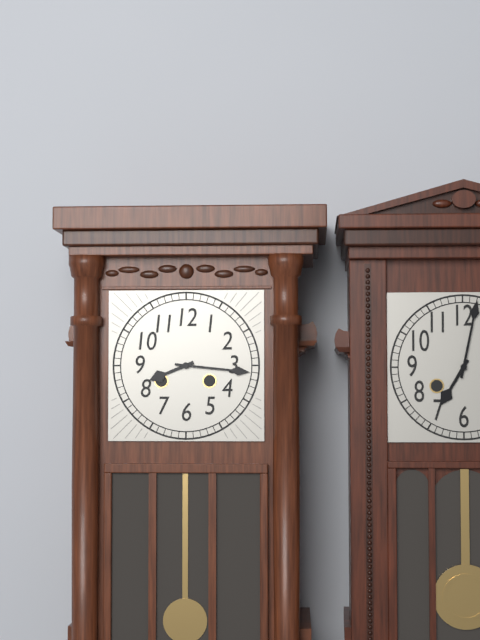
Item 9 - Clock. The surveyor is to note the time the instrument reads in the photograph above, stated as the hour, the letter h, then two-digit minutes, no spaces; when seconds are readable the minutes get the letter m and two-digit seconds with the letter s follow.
8h16
